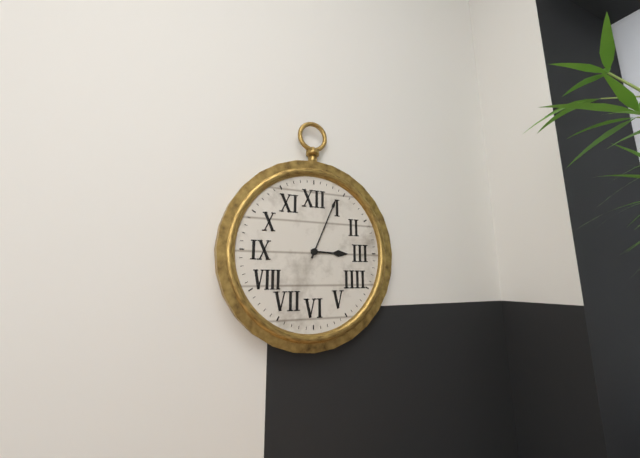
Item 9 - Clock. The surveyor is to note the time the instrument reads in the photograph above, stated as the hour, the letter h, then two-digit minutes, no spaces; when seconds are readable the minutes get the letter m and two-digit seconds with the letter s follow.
3h04
